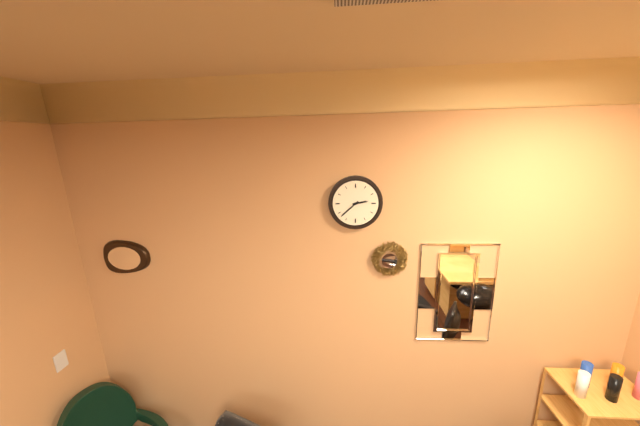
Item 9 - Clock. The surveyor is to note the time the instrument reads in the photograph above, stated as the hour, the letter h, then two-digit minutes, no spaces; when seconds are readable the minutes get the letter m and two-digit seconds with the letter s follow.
2h38
